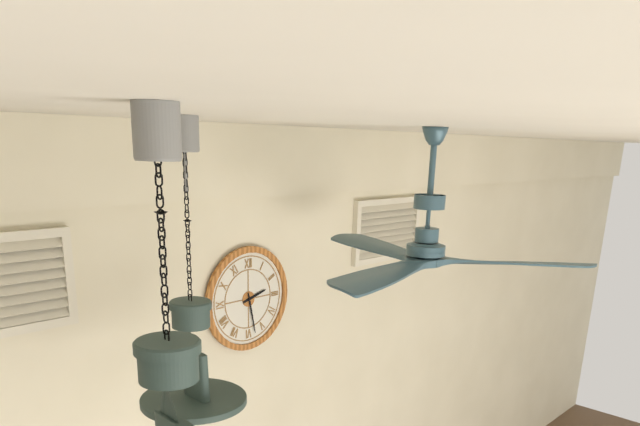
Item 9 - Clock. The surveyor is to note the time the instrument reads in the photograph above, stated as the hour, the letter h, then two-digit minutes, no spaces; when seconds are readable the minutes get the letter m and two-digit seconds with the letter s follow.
2h28
